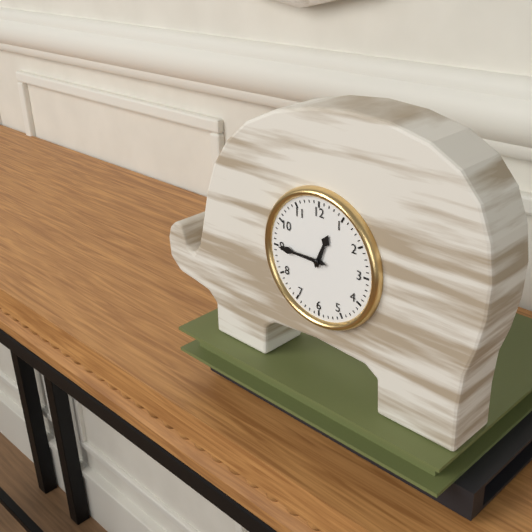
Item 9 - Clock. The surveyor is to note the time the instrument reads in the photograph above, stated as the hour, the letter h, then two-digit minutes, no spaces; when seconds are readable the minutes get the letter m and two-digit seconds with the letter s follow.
12h45
